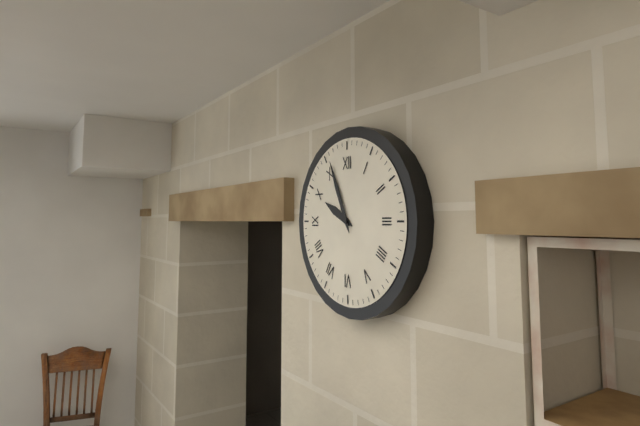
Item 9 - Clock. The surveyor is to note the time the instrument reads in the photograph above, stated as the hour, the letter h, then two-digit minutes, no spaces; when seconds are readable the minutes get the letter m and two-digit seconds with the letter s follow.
9h56
